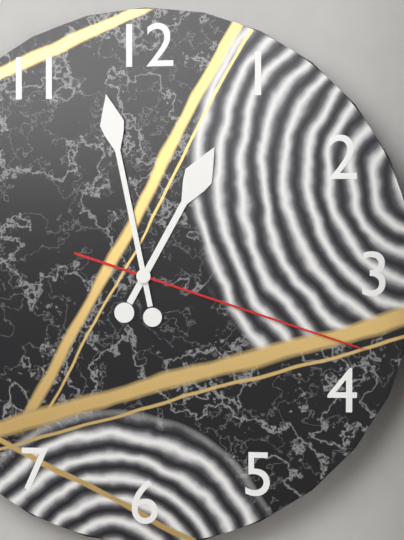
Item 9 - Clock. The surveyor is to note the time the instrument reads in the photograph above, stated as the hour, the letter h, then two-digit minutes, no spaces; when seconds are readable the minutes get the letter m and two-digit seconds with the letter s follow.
12h58m18s
